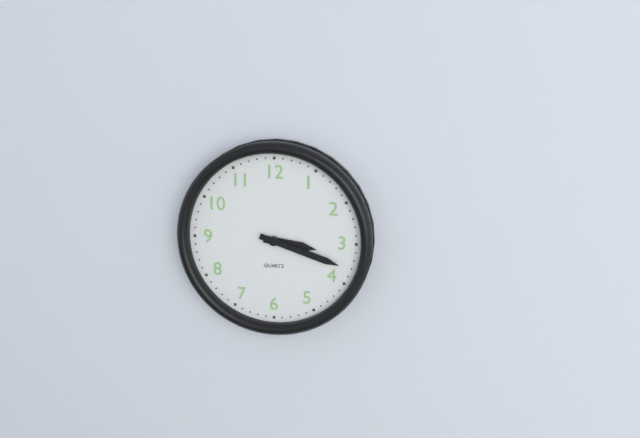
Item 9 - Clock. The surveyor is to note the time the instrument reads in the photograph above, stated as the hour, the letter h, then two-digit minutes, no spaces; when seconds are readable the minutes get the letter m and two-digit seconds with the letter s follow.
3h18
